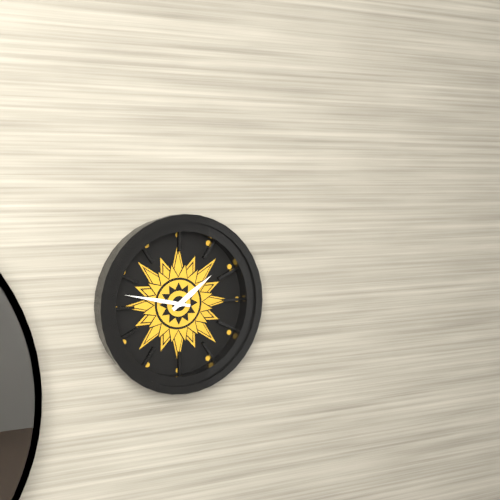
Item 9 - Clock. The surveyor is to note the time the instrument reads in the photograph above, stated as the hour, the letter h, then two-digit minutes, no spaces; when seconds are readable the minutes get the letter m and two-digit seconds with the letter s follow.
1h47
